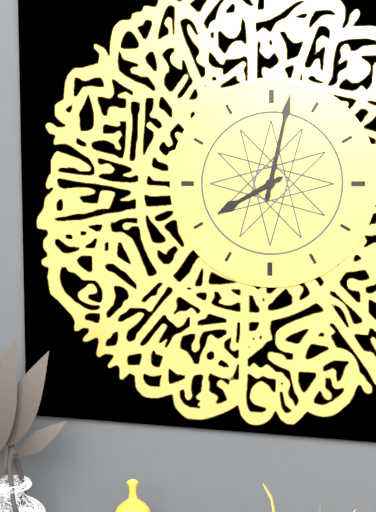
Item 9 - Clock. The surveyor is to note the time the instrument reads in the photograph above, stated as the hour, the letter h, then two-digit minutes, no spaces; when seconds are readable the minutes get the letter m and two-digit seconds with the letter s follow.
8h02
